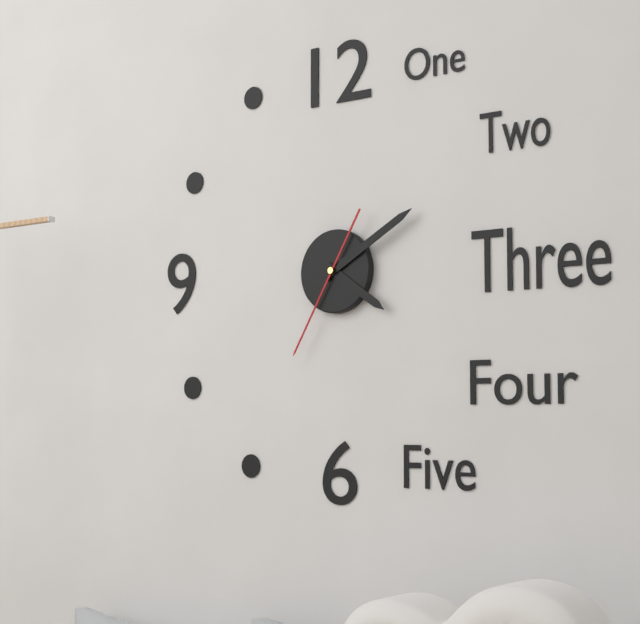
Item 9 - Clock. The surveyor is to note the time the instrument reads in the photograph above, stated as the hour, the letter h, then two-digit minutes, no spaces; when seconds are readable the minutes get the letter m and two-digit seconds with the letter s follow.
4h10m35s
